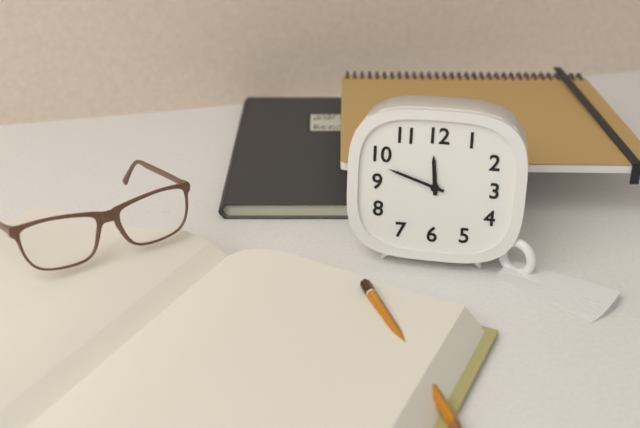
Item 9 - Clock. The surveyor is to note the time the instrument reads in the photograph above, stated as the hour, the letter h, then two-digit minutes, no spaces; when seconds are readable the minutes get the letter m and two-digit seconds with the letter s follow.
11h48
